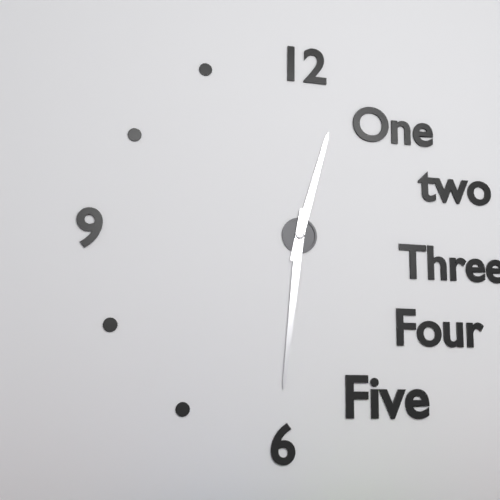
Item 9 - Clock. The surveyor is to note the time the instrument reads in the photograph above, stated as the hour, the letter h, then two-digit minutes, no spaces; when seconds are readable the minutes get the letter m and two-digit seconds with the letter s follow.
12h31
